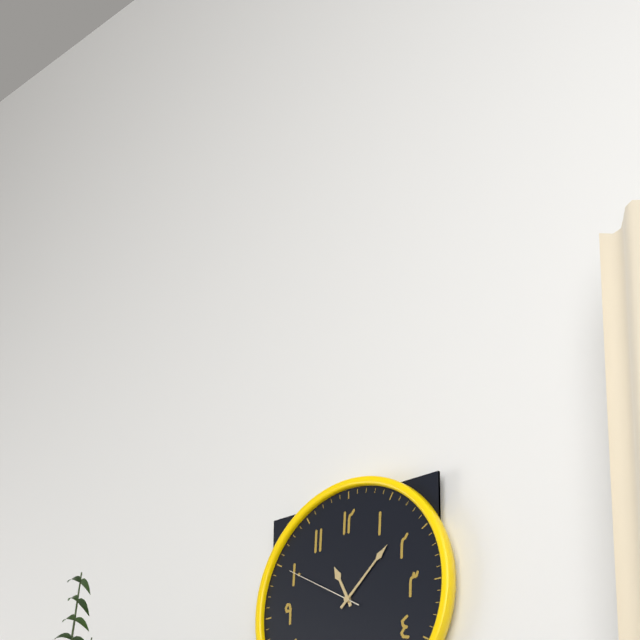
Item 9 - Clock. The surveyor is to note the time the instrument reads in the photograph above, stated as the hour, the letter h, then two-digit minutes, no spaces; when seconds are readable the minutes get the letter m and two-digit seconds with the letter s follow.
11h08m50s
